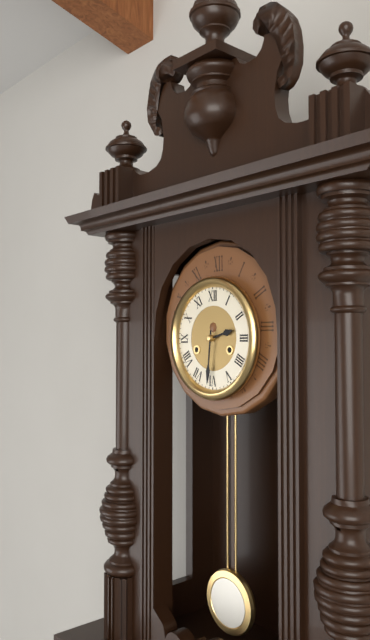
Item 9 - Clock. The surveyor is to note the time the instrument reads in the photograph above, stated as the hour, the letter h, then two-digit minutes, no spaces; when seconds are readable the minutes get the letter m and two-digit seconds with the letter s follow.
2h31
